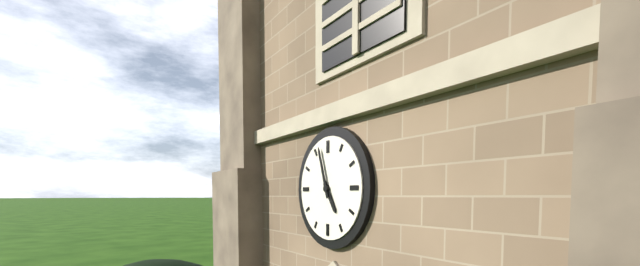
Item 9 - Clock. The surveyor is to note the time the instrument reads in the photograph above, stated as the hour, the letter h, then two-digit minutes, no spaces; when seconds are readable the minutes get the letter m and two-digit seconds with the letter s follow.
4h57
